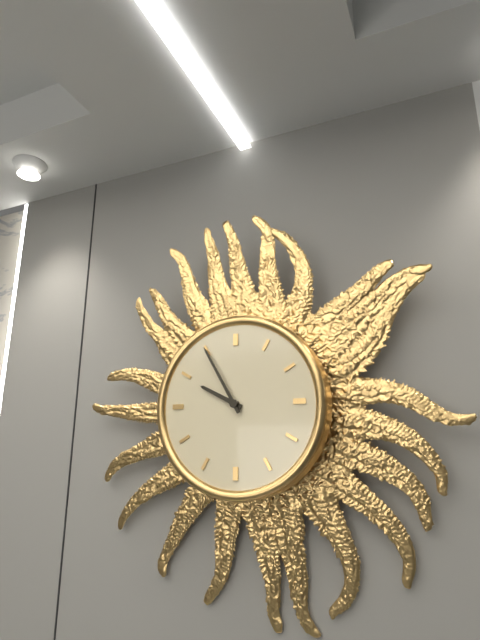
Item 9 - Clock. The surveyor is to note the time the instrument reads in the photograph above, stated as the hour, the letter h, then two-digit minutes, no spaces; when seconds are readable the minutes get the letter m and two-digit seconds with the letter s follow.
9h55
